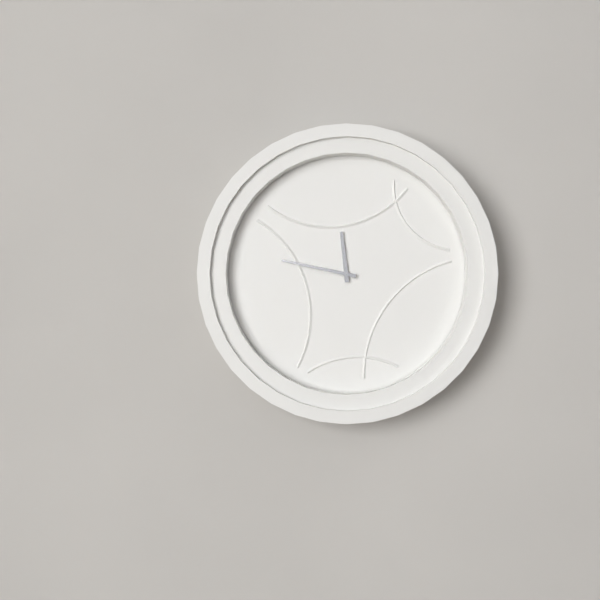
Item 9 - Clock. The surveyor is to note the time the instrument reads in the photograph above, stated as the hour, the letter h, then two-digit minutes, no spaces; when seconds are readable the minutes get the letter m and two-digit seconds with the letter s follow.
11h47
